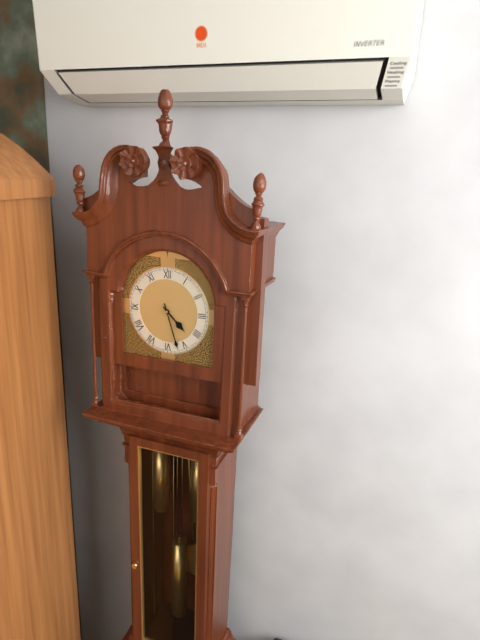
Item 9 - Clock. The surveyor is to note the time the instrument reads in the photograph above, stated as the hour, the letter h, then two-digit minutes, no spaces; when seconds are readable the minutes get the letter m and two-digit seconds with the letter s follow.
4h27
